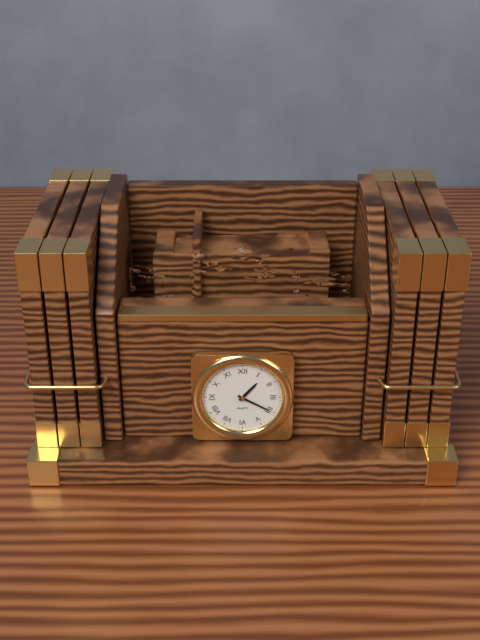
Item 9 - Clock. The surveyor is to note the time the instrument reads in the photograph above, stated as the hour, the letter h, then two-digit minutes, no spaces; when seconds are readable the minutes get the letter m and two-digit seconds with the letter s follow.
1h20
